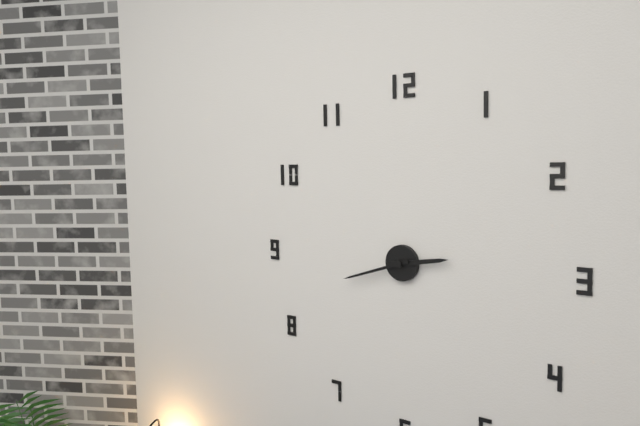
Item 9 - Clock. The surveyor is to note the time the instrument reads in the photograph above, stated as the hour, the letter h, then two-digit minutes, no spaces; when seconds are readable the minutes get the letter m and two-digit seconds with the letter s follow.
2h42
